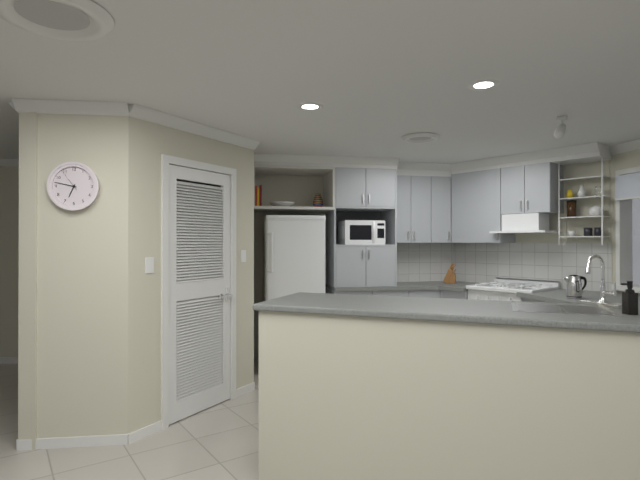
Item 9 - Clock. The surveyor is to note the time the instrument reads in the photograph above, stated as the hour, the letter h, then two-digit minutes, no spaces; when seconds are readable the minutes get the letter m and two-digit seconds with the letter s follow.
6h47
